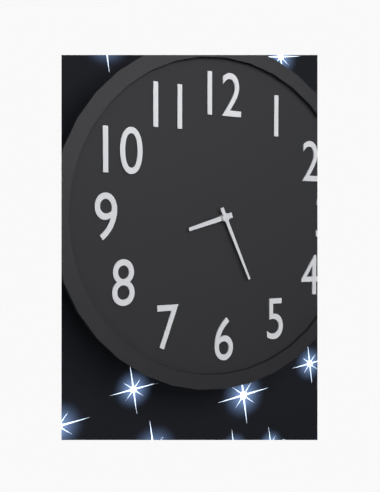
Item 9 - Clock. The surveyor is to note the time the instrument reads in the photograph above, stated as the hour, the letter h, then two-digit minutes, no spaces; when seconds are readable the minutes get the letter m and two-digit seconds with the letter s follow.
8h26
